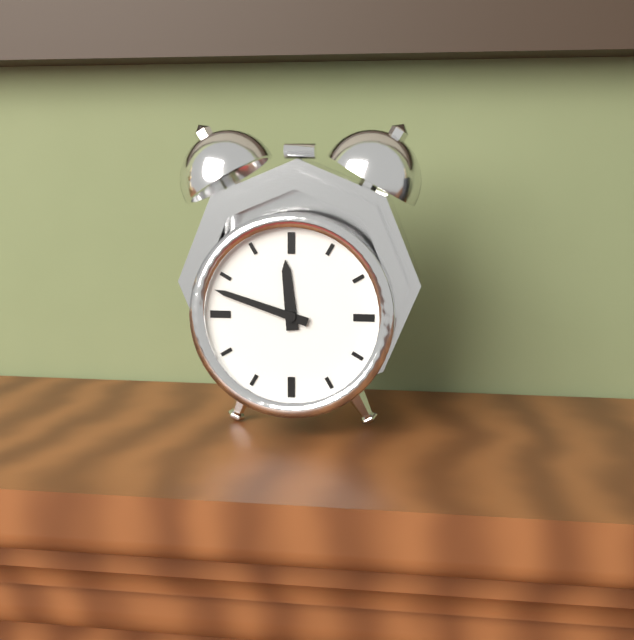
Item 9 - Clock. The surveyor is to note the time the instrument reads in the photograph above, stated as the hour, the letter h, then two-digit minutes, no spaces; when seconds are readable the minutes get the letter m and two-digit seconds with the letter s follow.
11h48
